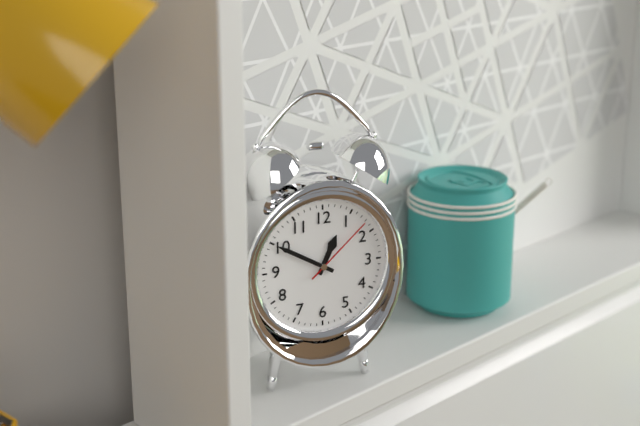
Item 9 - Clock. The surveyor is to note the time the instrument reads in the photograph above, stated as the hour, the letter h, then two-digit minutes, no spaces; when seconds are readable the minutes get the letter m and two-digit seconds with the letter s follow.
12h50m08s
